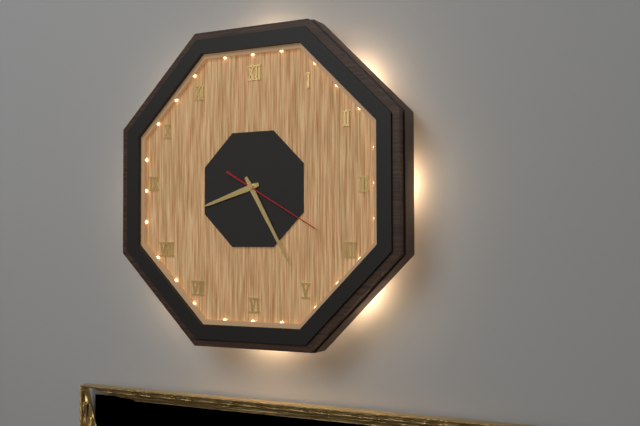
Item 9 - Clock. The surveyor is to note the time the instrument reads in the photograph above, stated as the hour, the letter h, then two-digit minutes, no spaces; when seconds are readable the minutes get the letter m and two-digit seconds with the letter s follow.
8h25m20s
